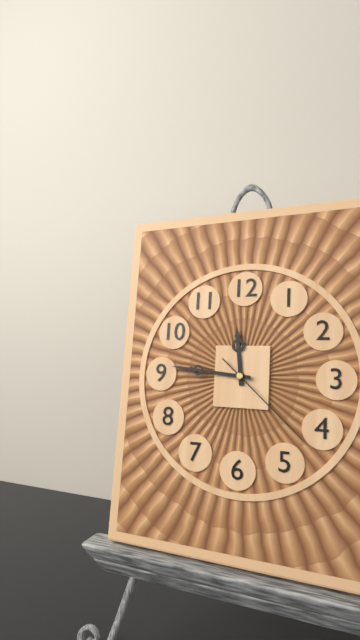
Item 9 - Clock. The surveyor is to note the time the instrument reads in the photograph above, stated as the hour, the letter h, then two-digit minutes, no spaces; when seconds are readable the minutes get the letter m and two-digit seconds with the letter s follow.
11h46m22s
